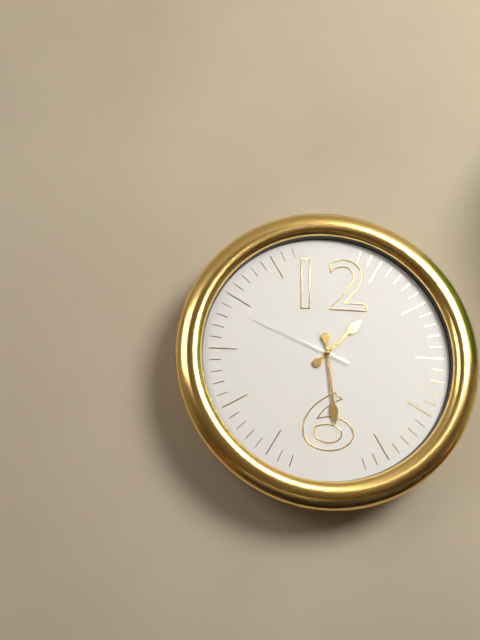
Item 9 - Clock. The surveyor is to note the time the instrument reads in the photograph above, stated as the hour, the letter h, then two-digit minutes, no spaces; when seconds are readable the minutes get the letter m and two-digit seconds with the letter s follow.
1h29m49s
